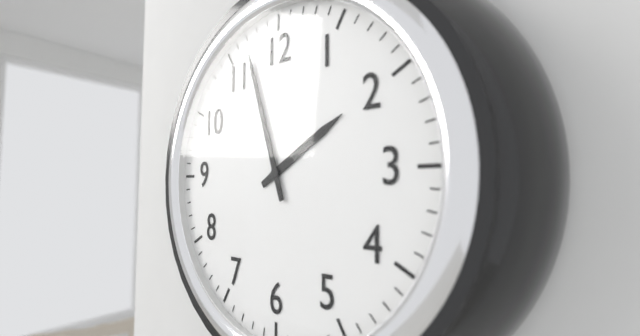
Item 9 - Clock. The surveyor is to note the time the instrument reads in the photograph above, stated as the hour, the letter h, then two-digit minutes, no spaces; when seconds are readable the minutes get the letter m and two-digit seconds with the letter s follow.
1h57
